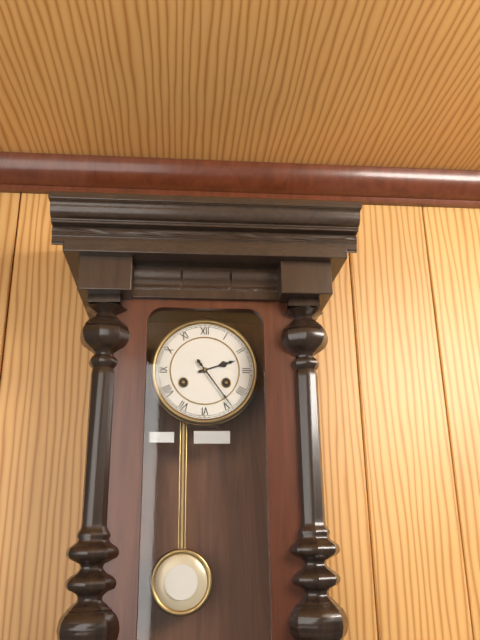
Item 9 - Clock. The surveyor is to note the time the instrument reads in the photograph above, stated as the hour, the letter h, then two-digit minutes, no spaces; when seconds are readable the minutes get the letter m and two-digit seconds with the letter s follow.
2h24
